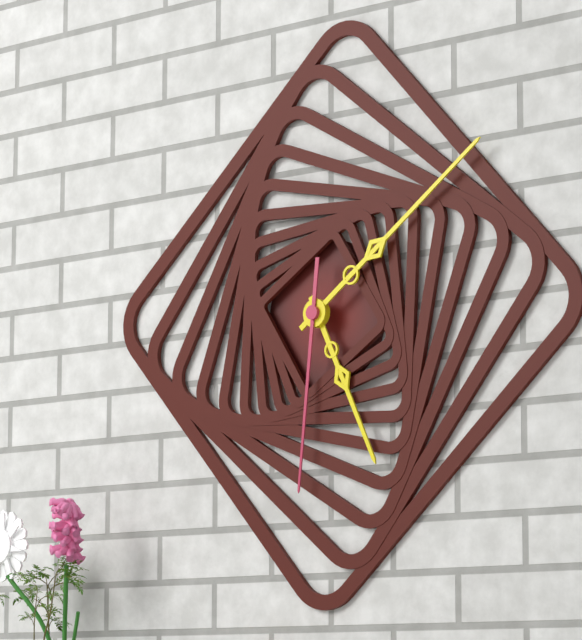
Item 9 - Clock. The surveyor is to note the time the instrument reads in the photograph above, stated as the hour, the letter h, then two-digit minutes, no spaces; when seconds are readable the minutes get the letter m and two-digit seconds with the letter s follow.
5h09m31s
